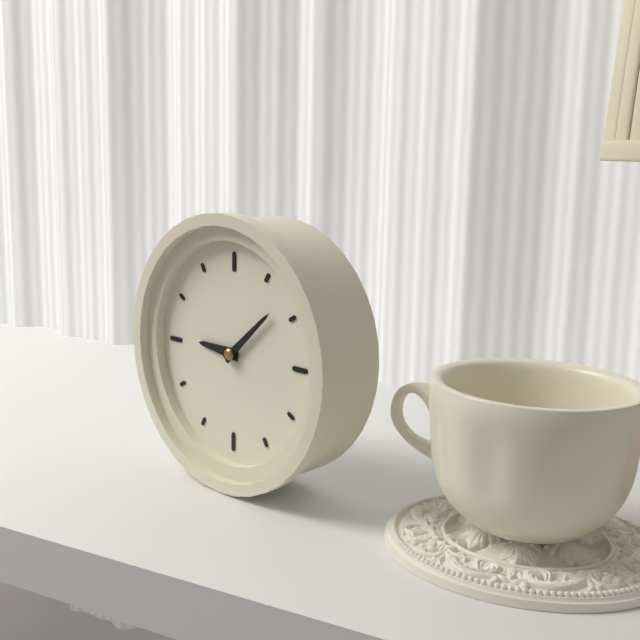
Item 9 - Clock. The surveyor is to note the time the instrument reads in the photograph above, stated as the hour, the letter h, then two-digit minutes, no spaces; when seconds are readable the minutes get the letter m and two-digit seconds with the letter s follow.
9h08
